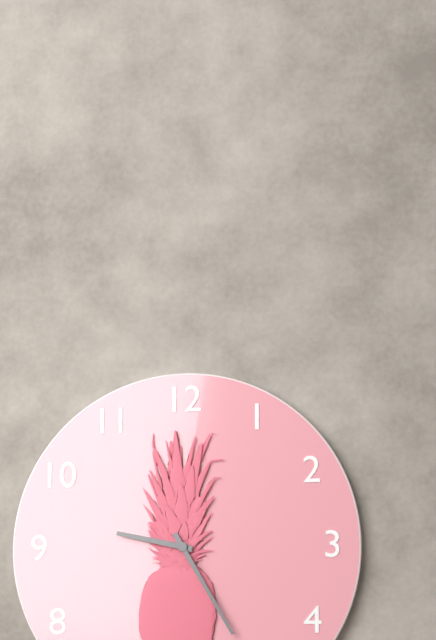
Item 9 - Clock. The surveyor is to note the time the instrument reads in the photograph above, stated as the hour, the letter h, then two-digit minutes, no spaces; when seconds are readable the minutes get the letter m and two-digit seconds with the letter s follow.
9h25
